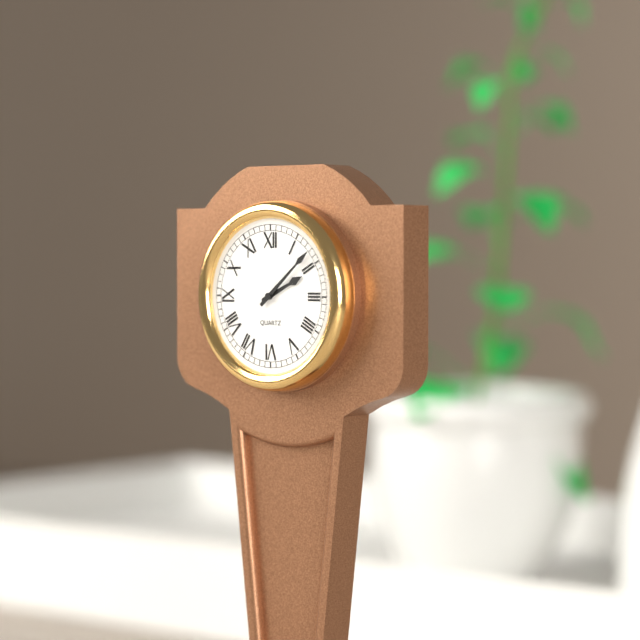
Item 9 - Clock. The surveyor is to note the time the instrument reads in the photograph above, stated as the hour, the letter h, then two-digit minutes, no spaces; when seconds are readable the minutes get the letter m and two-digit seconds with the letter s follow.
2h08
